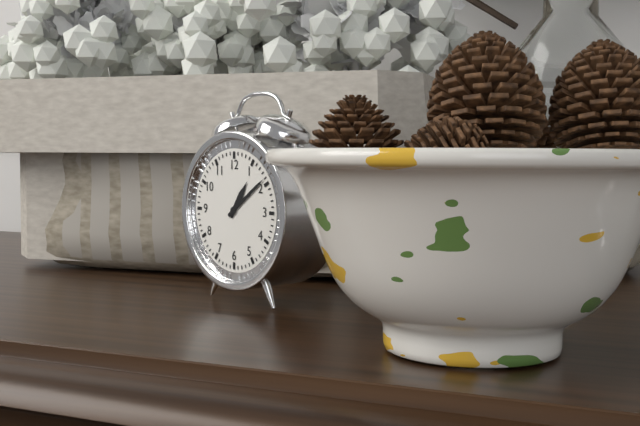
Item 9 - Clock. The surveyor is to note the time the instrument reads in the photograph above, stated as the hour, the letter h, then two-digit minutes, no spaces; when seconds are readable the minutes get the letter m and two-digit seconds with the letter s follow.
1h09
